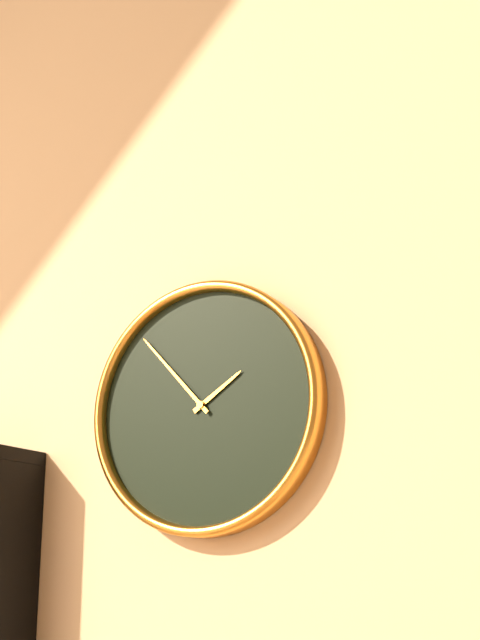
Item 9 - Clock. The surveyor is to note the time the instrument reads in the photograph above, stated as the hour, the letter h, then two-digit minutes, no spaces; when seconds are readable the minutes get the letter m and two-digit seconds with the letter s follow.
1h53
